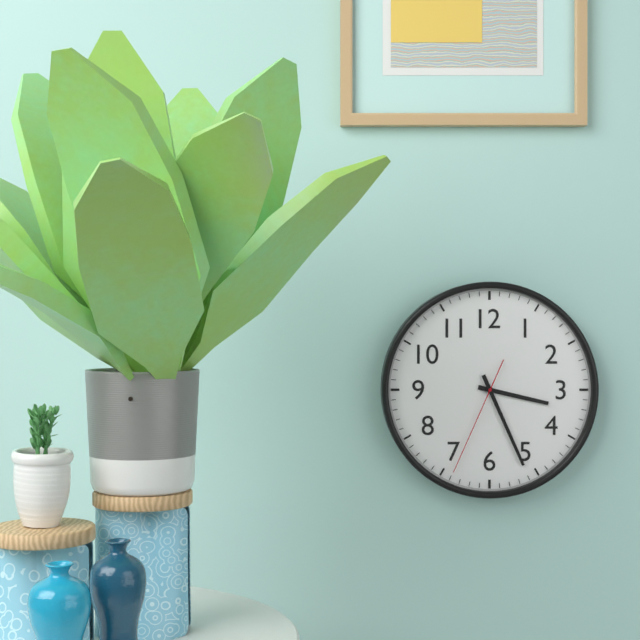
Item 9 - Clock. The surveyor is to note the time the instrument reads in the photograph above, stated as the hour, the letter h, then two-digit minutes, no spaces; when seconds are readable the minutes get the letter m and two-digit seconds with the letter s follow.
3h26m34s
